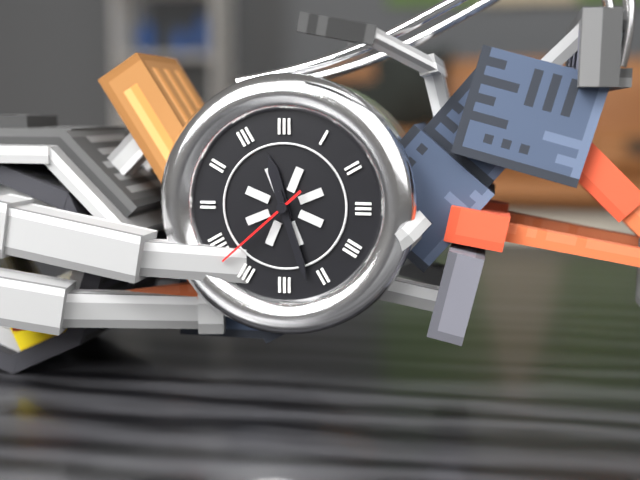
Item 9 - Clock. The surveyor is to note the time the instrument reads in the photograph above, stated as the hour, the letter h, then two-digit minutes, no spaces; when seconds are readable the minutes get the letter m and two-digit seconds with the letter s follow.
11h27m38s
